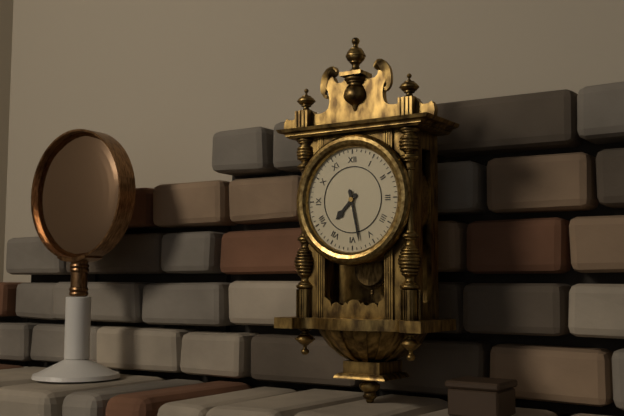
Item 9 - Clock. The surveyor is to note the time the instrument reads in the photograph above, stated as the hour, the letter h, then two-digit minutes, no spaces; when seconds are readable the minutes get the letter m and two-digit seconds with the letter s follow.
7h28
